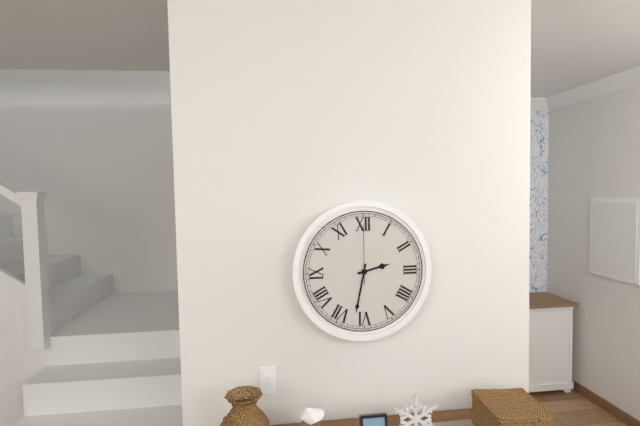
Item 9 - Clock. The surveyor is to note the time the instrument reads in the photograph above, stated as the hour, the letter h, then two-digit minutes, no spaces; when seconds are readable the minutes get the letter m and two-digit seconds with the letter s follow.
2h32m00s
